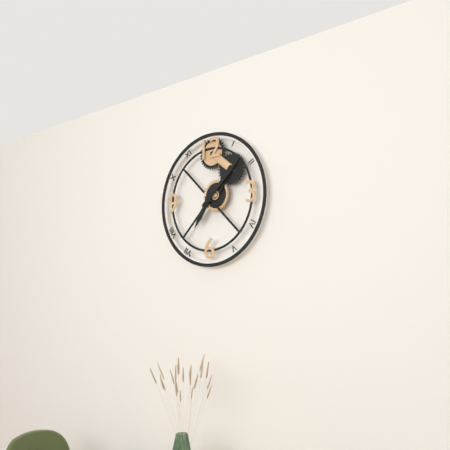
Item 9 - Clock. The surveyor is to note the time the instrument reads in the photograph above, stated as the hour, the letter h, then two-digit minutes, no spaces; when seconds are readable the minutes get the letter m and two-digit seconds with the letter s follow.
7h08
